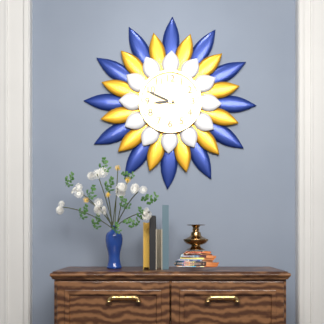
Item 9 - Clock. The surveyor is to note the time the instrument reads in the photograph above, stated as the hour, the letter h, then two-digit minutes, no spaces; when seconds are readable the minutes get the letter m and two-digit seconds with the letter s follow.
8h49
